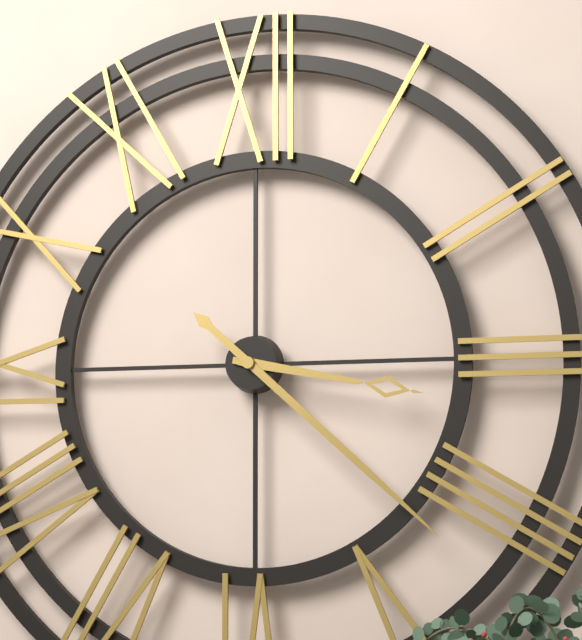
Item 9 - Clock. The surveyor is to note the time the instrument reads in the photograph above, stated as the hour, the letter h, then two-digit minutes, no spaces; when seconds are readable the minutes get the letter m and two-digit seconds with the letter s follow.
3h22
